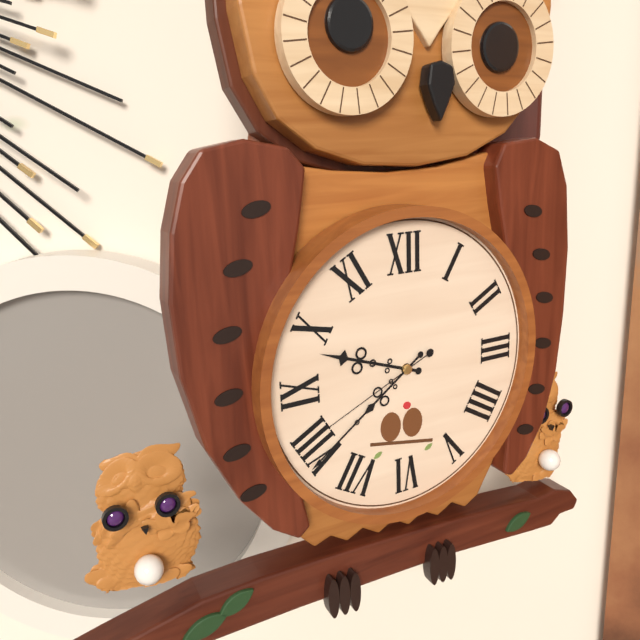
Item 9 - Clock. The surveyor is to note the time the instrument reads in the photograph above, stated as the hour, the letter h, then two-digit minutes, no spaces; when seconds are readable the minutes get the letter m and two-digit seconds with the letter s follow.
9h39m41s
